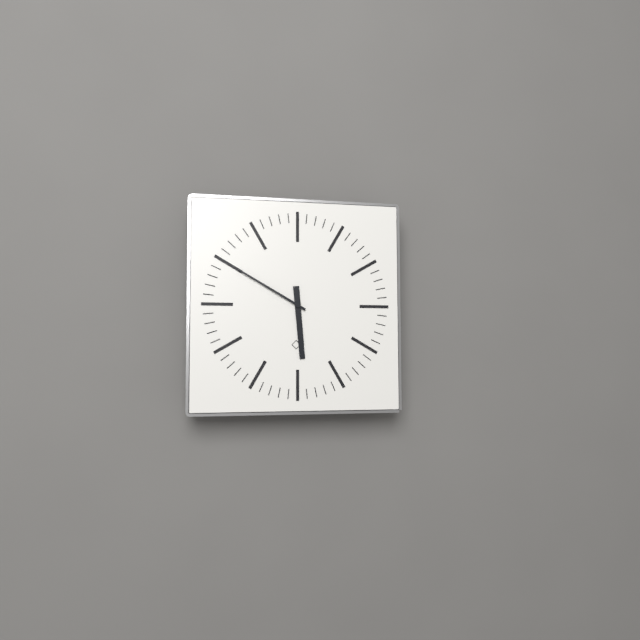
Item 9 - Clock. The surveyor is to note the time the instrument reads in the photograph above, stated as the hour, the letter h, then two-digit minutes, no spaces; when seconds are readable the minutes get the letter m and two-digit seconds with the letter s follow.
5h50
